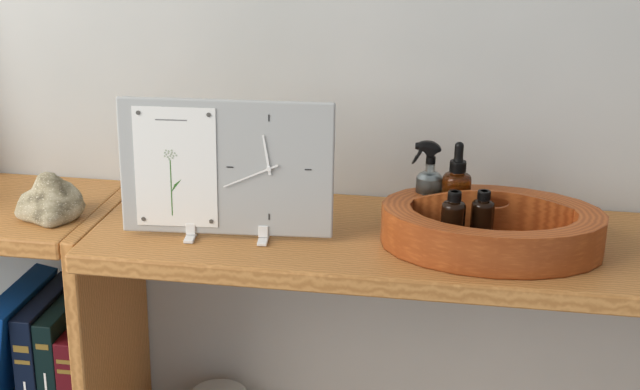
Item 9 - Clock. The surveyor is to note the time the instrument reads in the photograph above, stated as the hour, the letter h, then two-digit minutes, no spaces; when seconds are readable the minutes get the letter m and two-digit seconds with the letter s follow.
11h41
